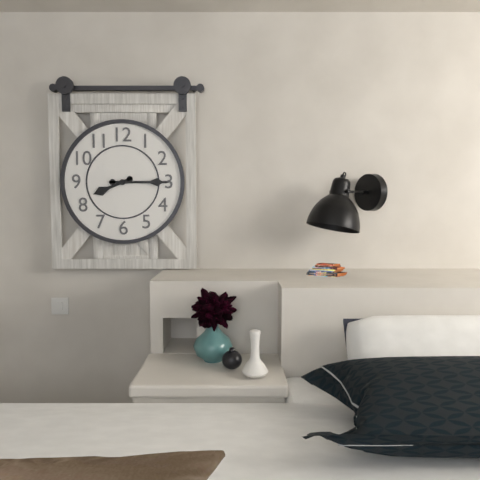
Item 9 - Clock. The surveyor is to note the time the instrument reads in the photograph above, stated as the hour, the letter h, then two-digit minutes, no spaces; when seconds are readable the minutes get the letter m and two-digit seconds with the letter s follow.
8h15
